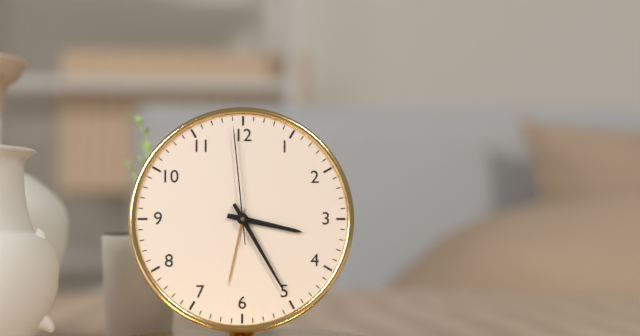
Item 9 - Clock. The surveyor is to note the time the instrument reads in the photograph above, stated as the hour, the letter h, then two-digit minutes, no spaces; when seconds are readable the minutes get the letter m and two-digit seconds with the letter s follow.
3h25m59s
